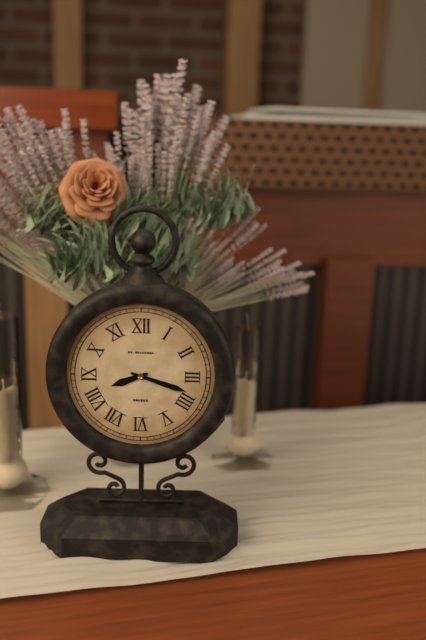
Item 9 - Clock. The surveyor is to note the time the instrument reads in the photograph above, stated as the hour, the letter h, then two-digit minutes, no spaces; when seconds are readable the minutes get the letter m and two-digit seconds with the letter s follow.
8h18
